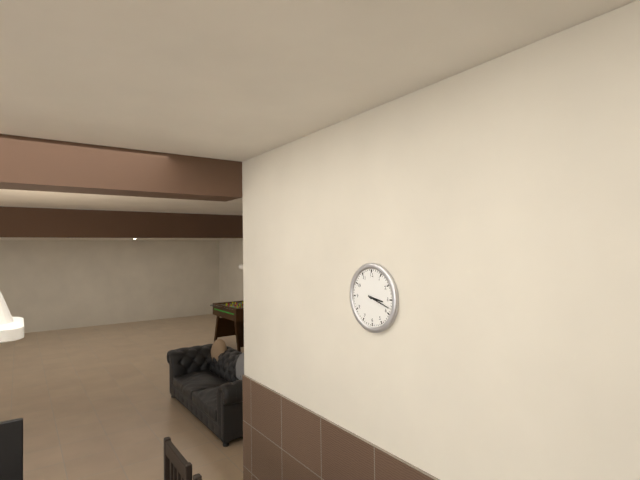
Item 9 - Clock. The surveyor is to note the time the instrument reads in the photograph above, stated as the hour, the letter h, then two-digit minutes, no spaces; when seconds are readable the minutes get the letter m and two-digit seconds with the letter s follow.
3h18
